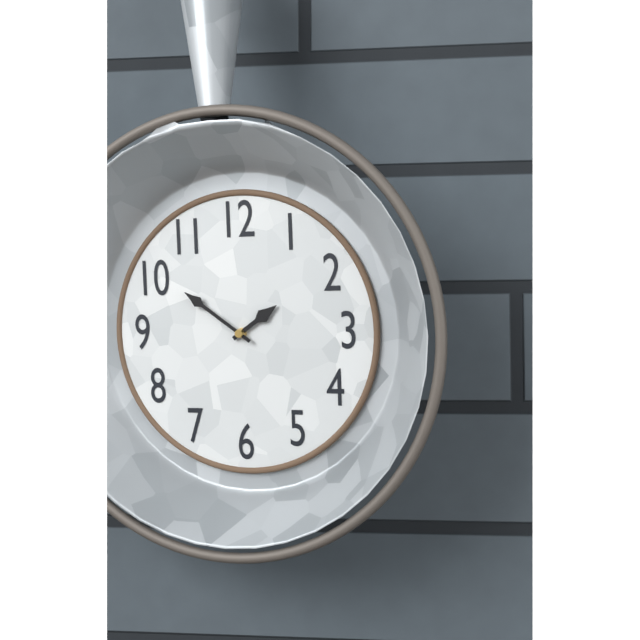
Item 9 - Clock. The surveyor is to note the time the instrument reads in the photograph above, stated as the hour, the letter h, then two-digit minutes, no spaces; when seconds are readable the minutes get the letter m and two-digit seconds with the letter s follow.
1h51
